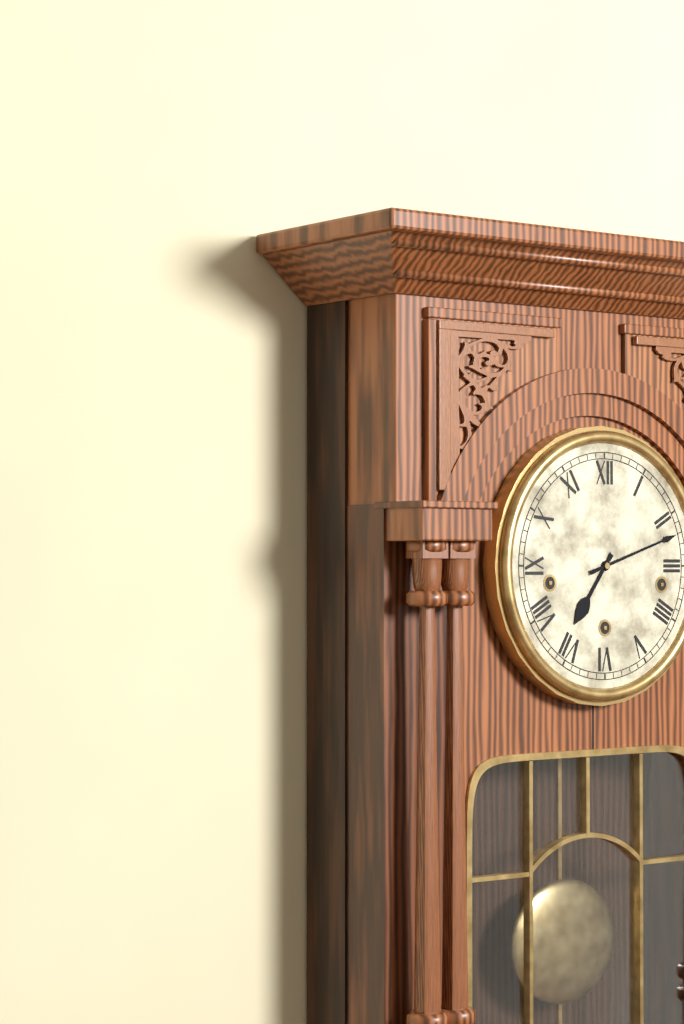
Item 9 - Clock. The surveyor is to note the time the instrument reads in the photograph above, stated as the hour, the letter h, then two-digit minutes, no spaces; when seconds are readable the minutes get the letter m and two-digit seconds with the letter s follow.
7h12
